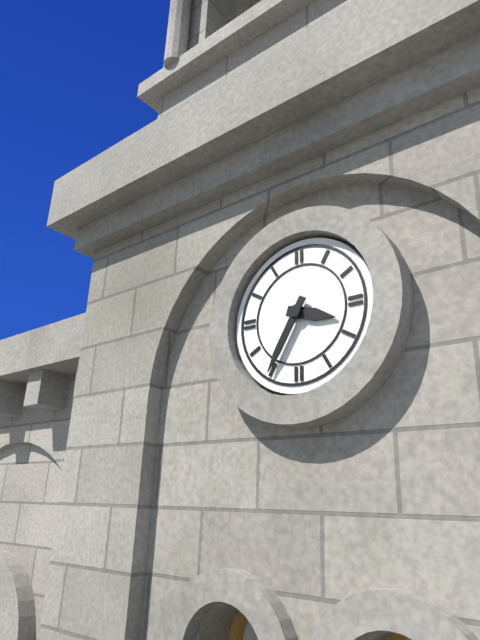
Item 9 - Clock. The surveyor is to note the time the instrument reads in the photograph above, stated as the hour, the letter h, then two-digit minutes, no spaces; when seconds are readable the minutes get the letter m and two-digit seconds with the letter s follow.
3h35
